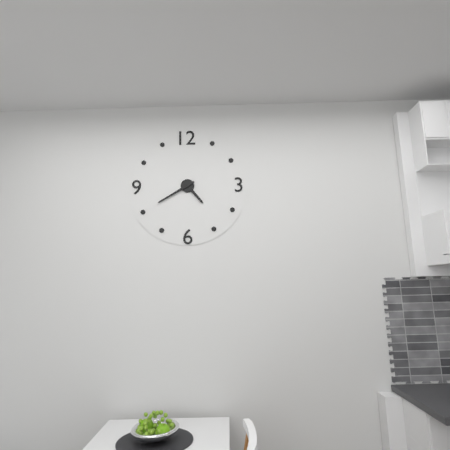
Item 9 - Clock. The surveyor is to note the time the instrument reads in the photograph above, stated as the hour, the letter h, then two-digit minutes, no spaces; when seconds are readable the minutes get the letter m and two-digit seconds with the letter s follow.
4h40
